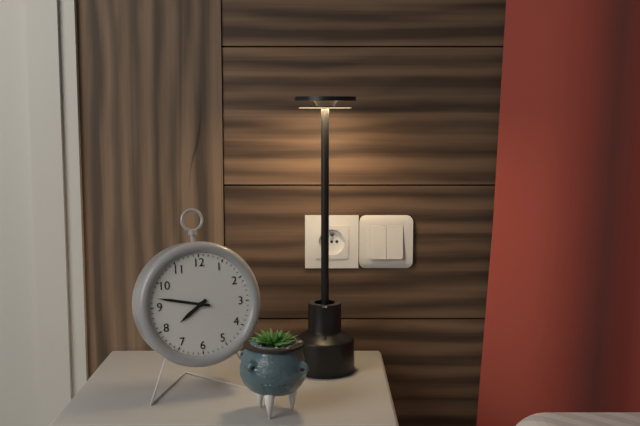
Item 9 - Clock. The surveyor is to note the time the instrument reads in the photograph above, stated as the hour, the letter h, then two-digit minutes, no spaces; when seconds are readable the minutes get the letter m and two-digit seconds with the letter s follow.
7h47
